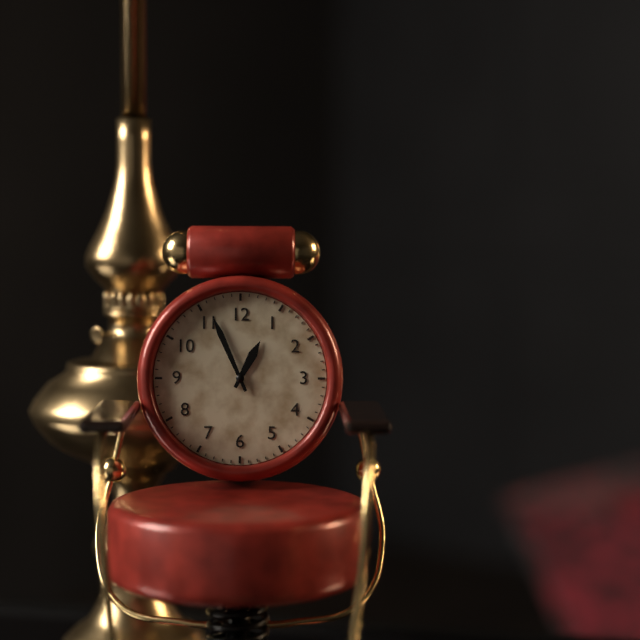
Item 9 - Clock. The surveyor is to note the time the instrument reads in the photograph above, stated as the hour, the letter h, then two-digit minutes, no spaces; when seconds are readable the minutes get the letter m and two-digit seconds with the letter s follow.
12h56
